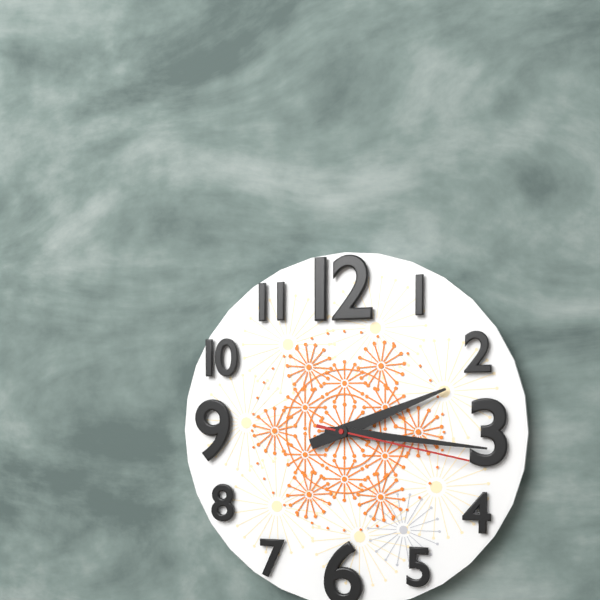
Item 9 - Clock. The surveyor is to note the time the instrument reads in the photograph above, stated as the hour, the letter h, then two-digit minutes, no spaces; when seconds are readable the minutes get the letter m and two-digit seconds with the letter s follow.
2h16m17s
